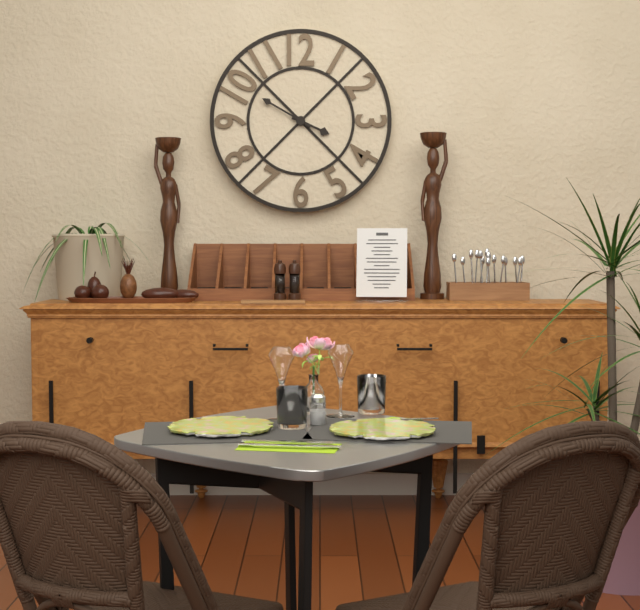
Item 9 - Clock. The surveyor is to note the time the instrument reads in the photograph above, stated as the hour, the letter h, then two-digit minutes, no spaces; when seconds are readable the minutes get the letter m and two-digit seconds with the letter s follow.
3h50
